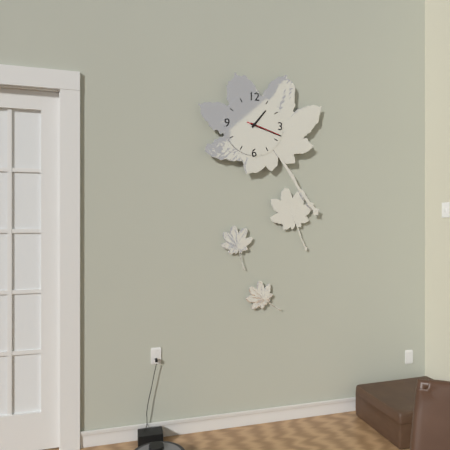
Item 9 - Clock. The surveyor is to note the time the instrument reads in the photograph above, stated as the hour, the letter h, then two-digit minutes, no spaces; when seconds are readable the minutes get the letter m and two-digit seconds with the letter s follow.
1h18
